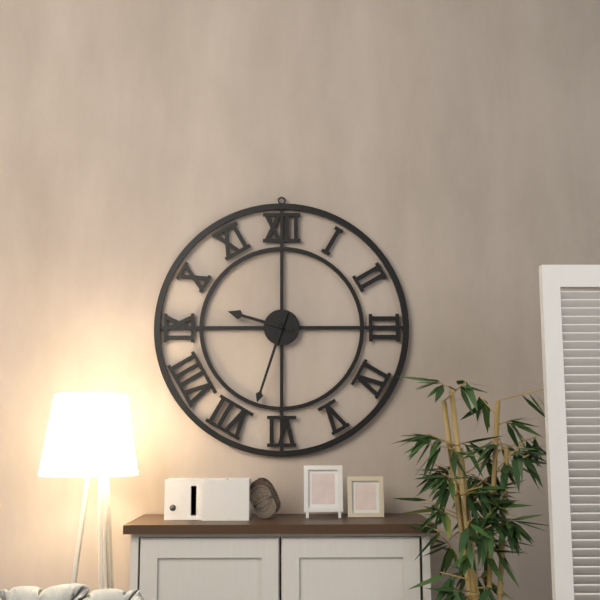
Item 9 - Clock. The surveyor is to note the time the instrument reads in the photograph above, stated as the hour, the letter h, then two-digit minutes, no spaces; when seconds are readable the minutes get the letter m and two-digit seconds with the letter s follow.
9h33
